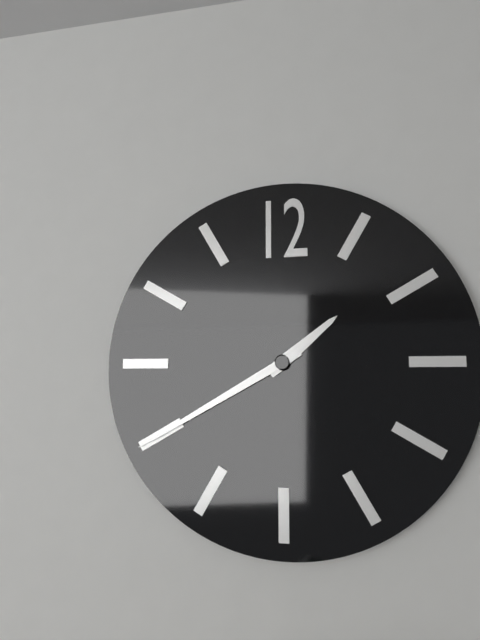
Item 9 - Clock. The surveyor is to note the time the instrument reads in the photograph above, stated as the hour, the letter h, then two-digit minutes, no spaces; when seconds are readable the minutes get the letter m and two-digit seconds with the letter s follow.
1h40
